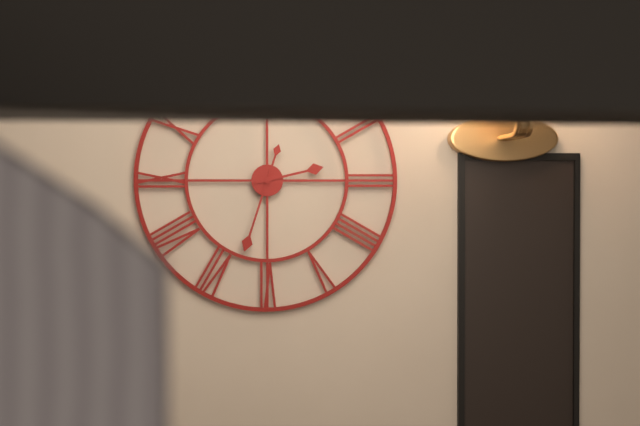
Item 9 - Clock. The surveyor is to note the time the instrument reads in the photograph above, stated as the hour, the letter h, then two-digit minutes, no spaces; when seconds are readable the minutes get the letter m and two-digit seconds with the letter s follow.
2h33
